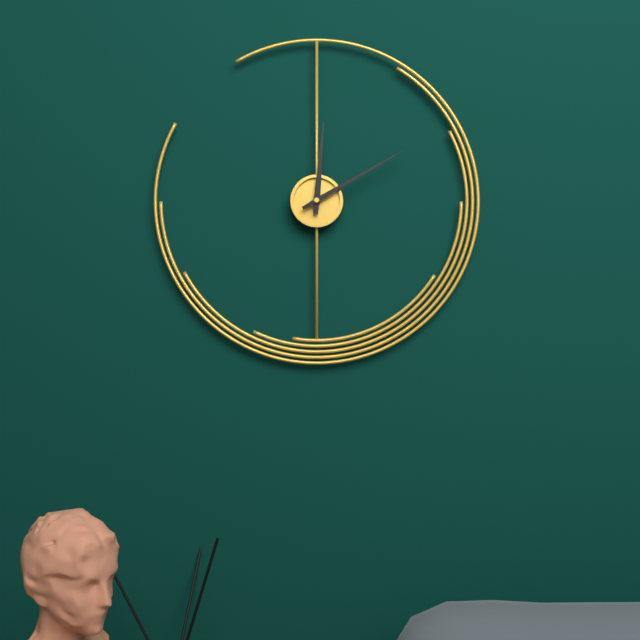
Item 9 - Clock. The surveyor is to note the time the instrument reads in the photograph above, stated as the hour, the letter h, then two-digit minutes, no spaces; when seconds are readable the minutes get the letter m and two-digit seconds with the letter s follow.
12h10
